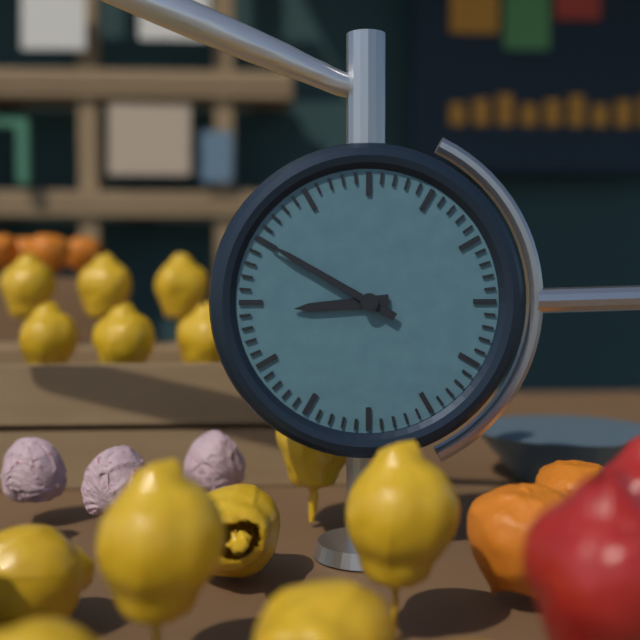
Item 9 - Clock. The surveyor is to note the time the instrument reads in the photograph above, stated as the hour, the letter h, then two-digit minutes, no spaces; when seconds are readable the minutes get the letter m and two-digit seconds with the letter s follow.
8h50
